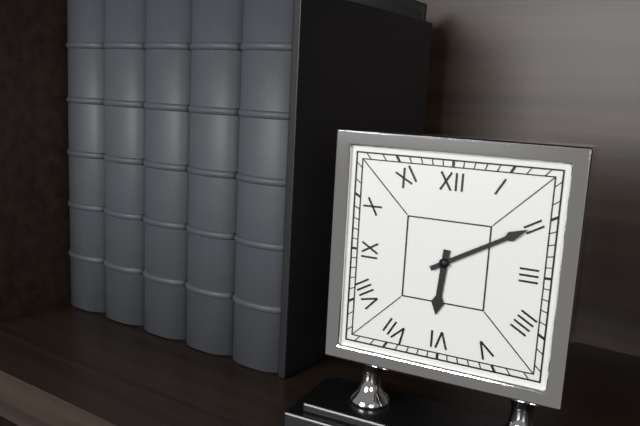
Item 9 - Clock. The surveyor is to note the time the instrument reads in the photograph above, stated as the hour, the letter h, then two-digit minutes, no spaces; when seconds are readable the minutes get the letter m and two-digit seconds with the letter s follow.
6h10
